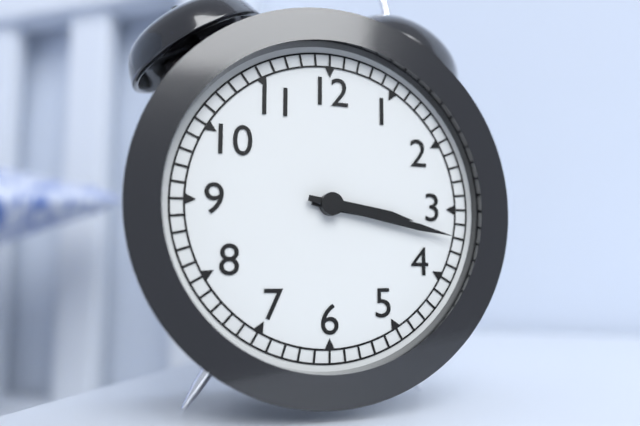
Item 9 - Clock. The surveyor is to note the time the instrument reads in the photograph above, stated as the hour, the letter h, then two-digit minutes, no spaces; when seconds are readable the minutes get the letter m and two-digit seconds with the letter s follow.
3h17
